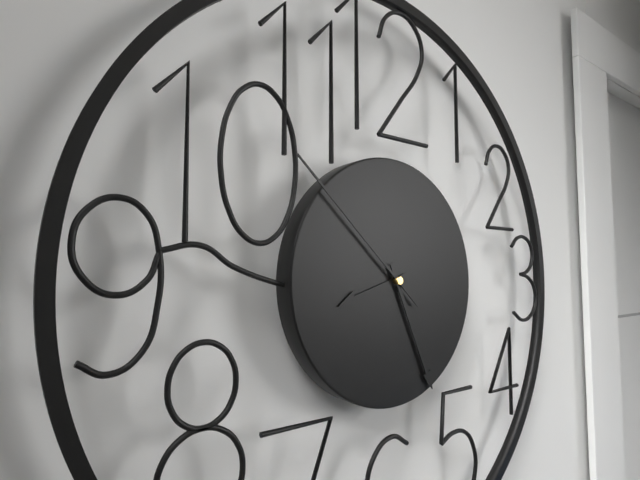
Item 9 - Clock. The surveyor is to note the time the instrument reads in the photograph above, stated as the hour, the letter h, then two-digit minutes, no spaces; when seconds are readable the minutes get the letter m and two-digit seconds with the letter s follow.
8h26m52s
